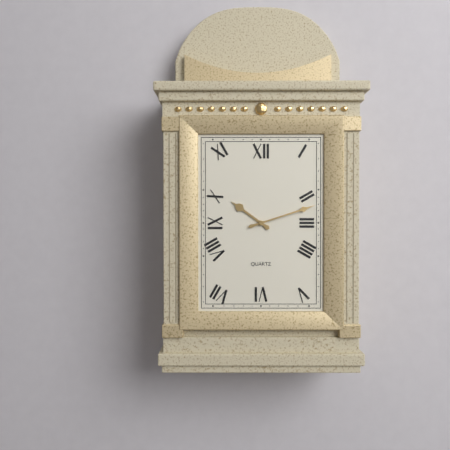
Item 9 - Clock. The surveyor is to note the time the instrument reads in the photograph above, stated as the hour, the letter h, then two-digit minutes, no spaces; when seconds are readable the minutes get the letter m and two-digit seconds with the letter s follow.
10h12
